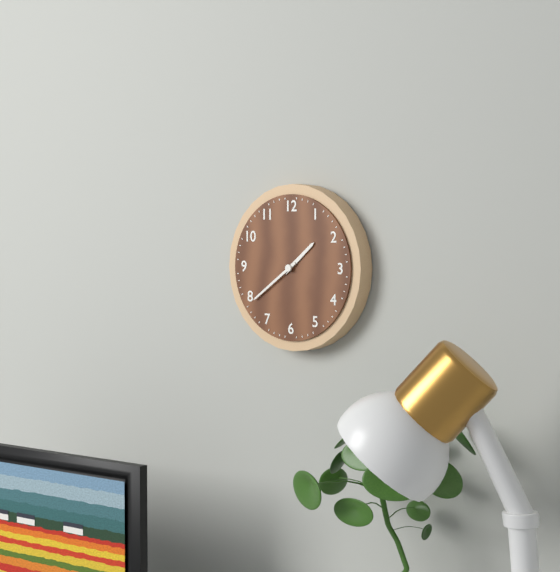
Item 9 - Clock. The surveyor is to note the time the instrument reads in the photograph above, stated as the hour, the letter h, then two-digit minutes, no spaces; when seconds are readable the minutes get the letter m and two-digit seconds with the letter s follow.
1h39
